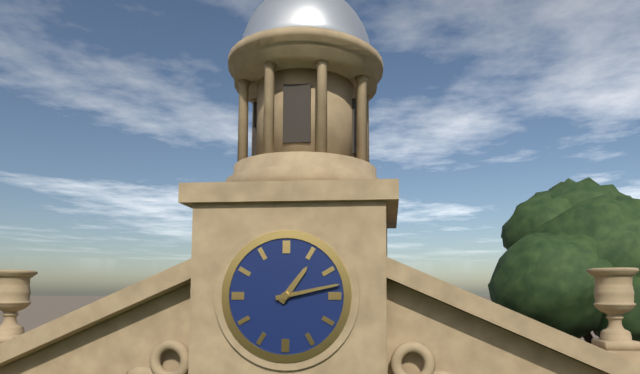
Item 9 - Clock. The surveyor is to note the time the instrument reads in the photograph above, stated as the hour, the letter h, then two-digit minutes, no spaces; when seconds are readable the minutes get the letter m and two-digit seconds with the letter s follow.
1h13
